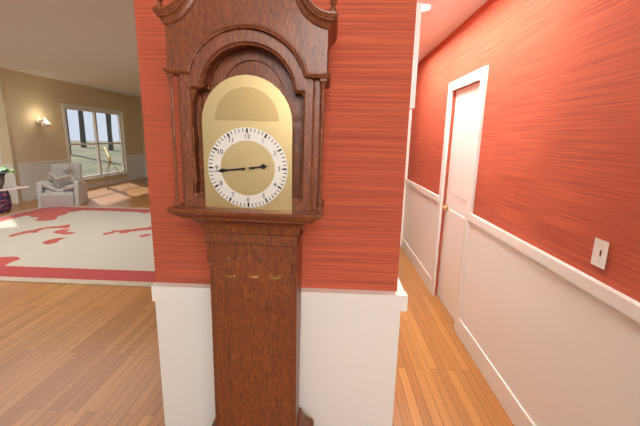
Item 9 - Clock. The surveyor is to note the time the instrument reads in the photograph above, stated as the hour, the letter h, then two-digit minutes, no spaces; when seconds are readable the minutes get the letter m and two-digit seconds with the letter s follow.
2h44
